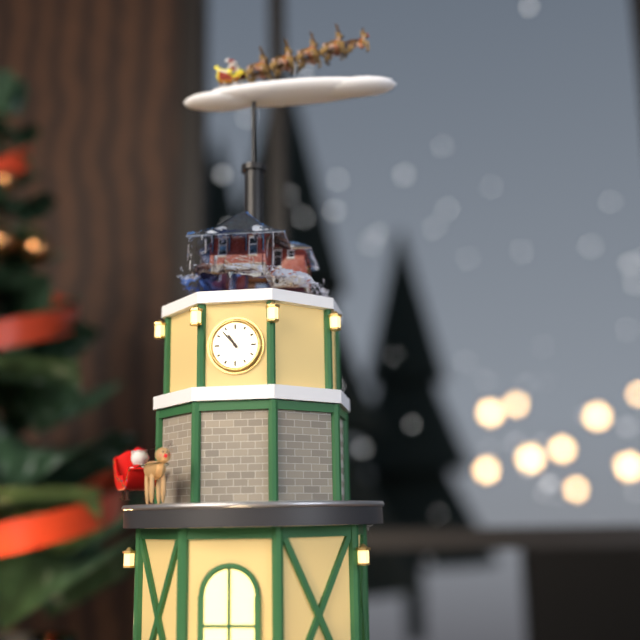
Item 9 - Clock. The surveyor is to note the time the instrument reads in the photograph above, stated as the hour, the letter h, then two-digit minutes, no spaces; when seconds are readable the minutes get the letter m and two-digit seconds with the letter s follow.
10h53
